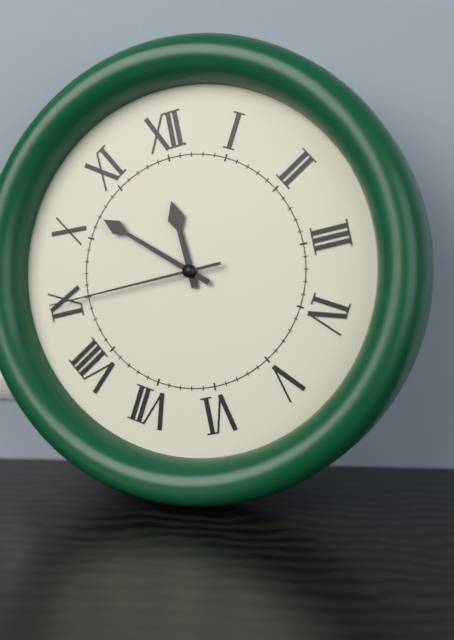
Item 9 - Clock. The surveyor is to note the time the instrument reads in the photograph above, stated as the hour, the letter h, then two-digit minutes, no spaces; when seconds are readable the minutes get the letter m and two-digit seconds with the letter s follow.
11h52m45s
